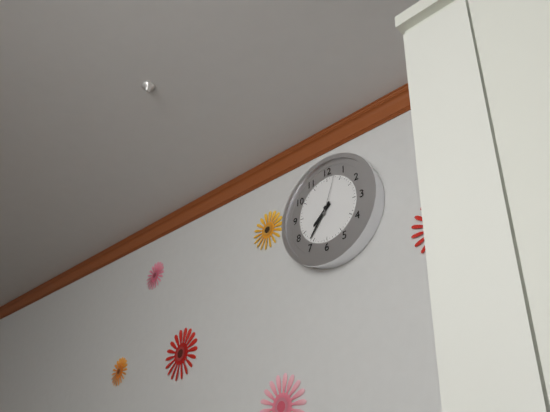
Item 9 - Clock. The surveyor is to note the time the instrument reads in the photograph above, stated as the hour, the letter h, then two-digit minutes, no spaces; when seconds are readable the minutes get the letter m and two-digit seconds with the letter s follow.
7h36
